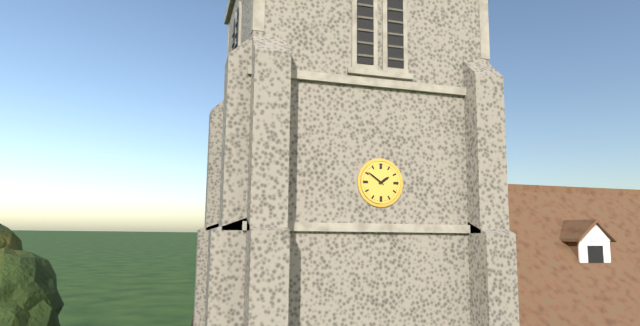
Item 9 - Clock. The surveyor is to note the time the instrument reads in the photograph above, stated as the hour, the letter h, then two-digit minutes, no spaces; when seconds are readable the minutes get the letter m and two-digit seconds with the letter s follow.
1h51
